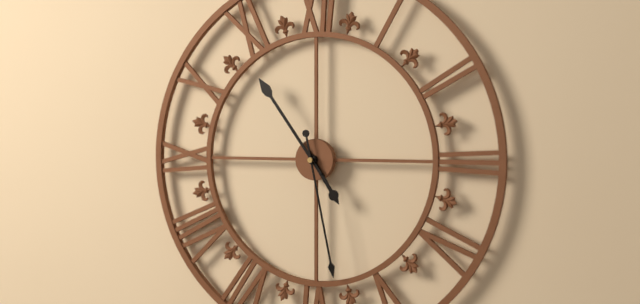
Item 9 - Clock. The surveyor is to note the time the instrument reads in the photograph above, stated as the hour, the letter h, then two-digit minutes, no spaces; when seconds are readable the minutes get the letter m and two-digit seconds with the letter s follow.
4h54m28s
